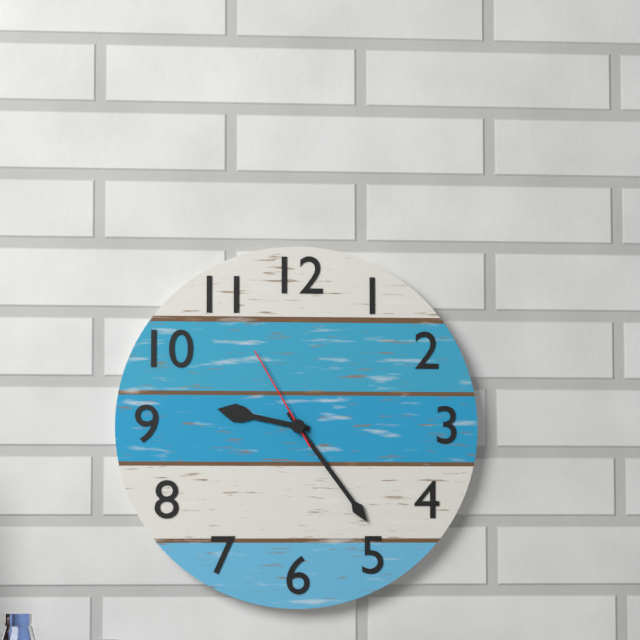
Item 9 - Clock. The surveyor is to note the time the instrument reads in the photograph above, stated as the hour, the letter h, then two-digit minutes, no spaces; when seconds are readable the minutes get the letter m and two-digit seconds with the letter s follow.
9h24m55s
